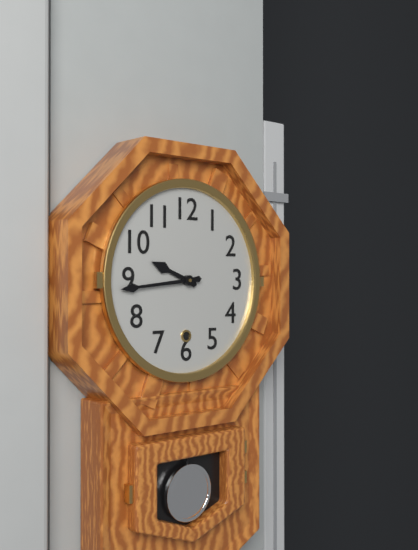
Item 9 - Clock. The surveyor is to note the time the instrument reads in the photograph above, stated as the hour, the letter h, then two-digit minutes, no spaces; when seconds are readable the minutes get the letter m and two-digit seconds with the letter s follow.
9h44
